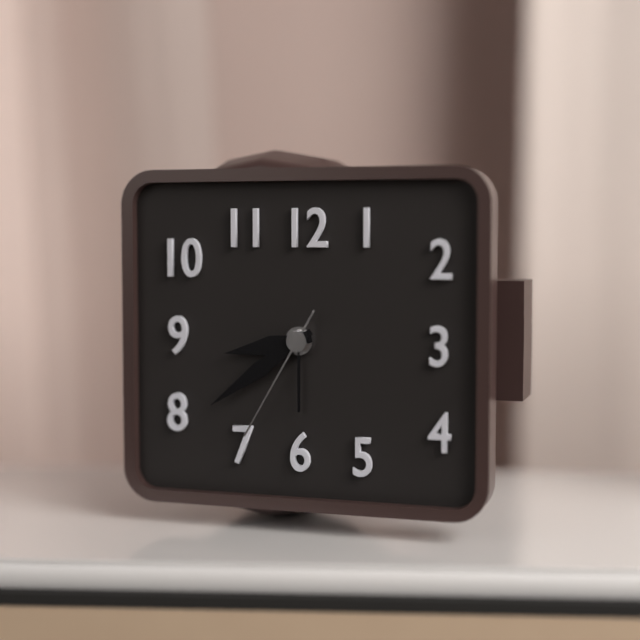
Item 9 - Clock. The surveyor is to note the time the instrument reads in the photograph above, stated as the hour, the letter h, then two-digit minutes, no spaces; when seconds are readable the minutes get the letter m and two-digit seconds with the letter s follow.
8h39m35s
